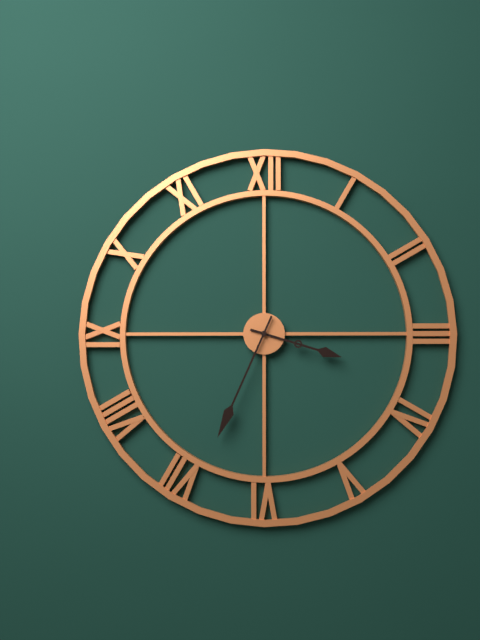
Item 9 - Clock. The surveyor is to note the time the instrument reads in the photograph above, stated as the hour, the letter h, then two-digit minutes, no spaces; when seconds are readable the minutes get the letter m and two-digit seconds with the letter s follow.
3h34
